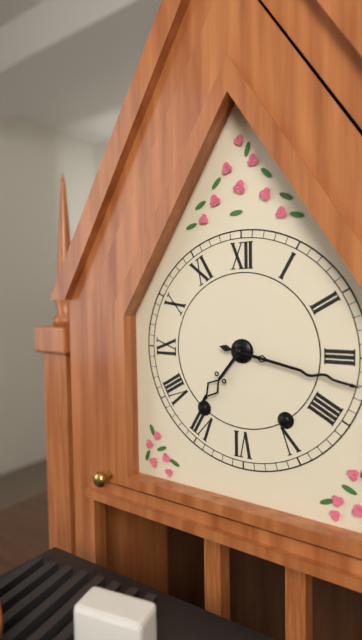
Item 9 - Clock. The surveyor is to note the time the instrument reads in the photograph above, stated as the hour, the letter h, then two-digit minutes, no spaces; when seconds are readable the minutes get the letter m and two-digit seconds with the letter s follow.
7h17
